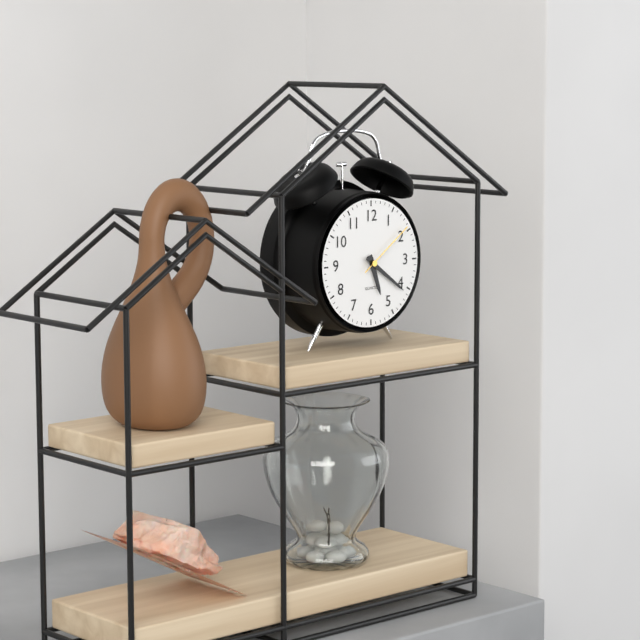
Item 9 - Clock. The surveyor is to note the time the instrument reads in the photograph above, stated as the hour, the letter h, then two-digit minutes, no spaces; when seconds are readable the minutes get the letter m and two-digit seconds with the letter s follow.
5h21m09s
